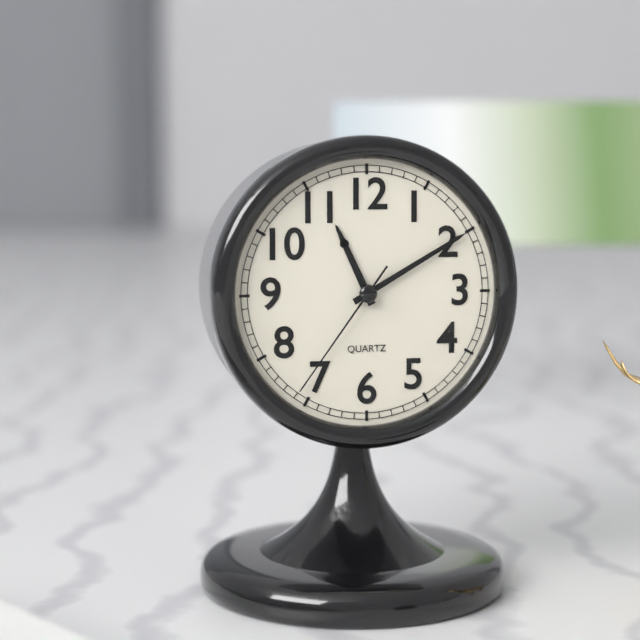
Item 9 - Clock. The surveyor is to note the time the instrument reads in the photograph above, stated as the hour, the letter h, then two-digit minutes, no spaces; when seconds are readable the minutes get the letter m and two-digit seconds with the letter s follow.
11h10m36s
